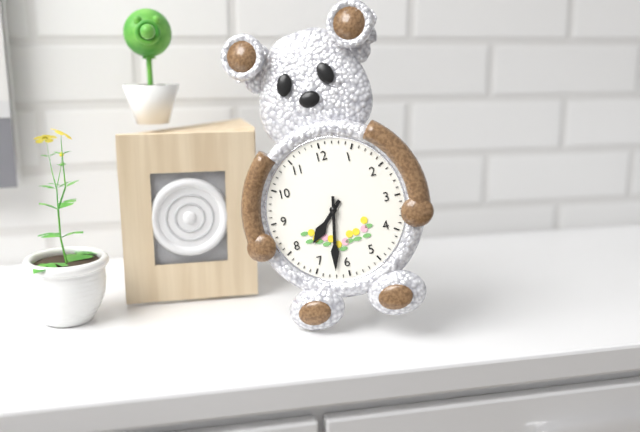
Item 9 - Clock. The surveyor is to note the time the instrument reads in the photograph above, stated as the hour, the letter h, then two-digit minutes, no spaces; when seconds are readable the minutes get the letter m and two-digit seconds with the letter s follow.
7h32
